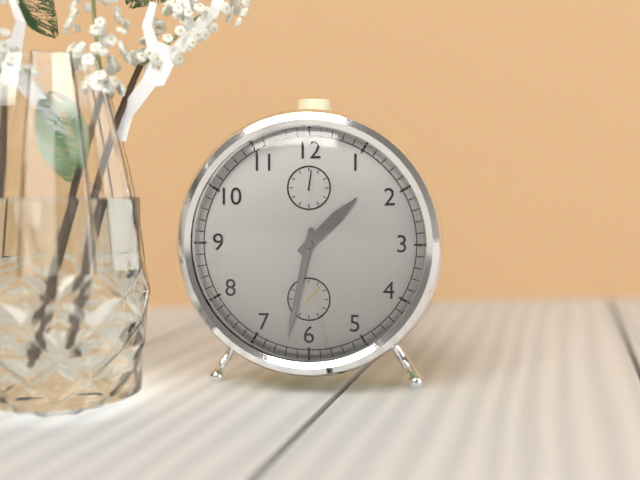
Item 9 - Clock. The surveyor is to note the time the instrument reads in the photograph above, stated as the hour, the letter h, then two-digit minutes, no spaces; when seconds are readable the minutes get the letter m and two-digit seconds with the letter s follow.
1h32
